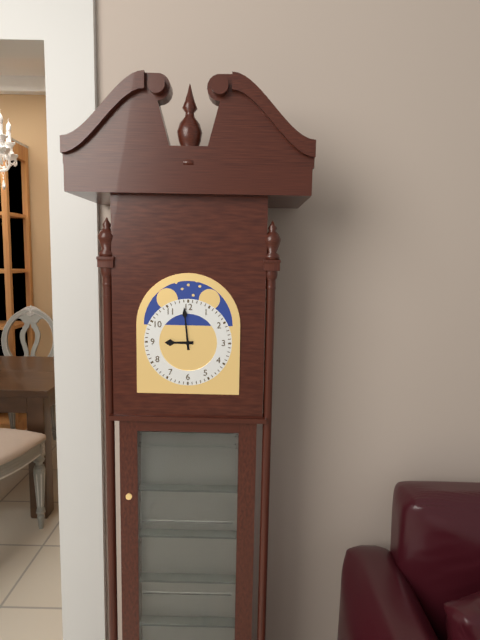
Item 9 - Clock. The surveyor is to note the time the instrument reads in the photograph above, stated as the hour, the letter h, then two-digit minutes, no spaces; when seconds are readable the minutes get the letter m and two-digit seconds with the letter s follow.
8h59
